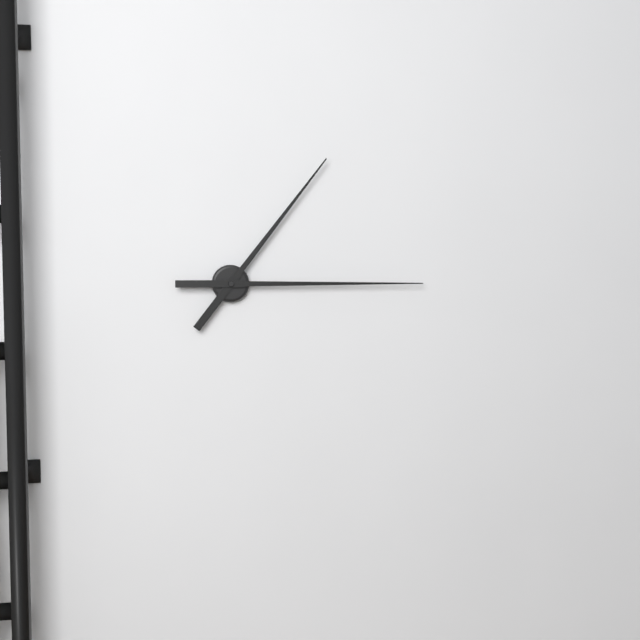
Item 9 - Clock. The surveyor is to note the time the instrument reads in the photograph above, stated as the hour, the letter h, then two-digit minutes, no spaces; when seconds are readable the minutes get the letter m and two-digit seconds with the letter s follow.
1h15
